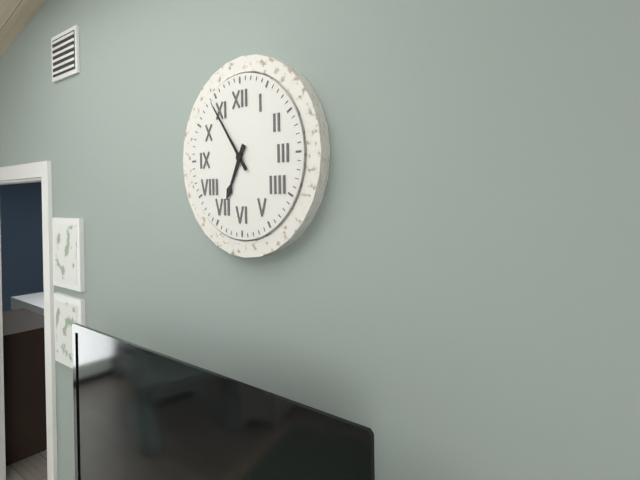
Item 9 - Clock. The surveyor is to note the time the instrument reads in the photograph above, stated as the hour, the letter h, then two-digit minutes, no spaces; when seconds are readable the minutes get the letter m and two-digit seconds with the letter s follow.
6h54
